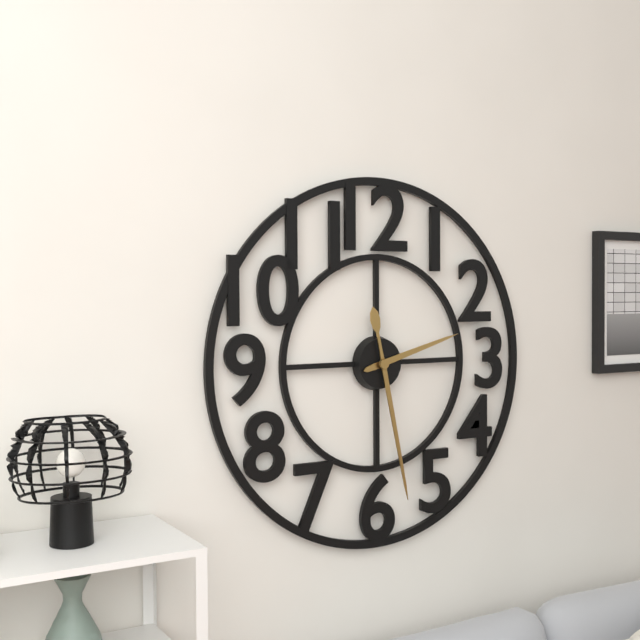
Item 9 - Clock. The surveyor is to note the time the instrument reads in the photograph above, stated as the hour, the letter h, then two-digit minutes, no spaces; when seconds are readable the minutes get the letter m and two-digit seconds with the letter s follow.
2h28
